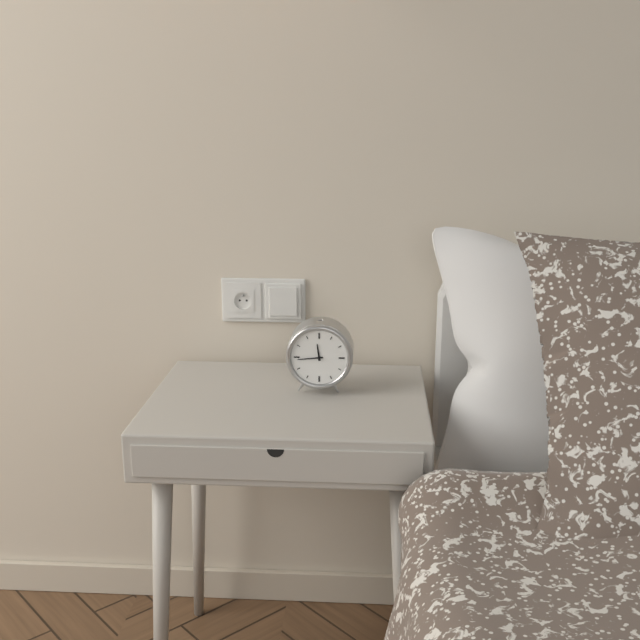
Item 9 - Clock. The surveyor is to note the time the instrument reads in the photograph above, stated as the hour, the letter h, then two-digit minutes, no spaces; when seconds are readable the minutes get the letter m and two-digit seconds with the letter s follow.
11h44
